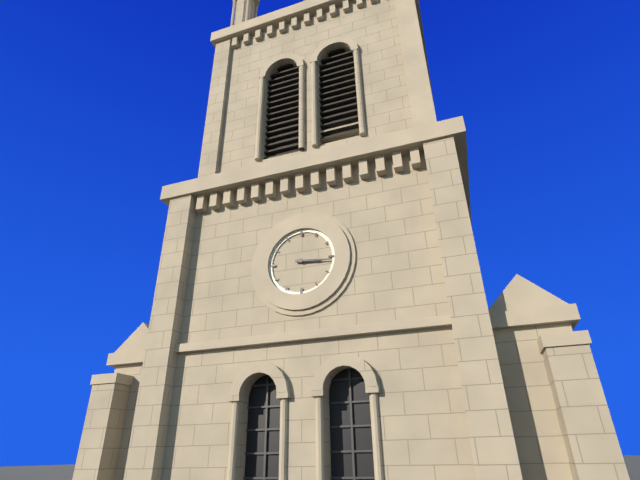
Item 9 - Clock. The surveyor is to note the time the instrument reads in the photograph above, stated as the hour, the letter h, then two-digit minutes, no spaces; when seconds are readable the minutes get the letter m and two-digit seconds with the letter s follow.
3h16
